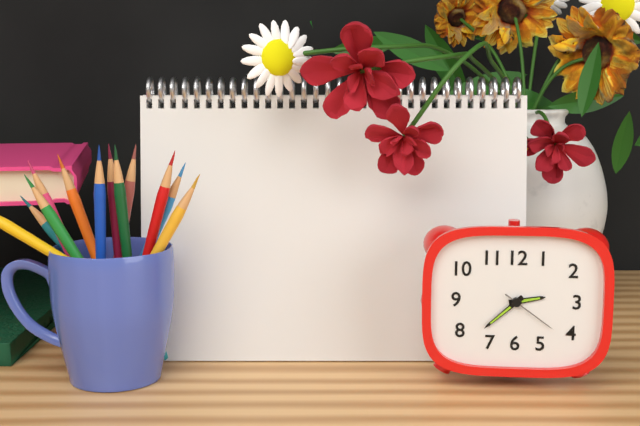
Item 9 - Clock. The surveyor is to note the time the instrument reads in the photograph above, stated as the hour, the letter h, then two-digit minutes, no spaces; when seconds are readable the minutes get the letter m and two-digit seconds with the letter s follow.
2h38m21s
